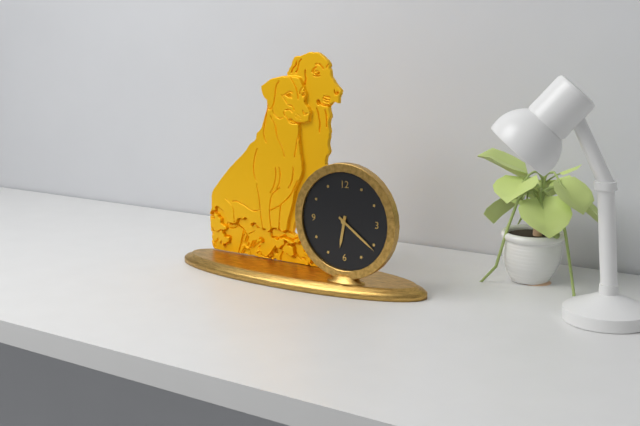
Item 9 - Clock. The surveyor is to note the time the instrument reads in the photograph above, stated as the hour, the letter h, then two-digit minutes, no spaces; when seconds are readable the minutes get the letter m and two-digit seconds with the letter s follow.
6h21
